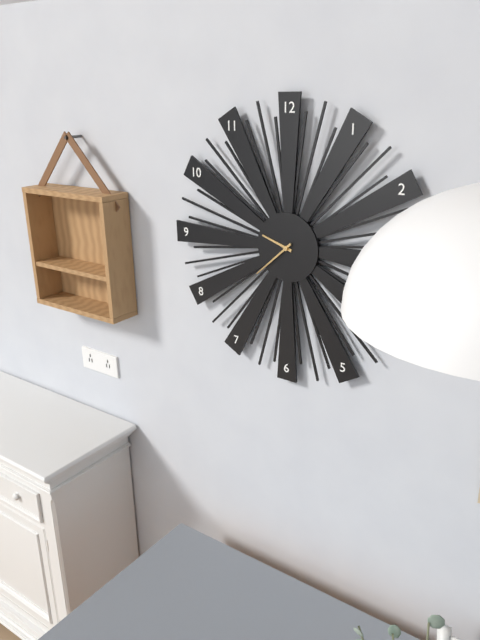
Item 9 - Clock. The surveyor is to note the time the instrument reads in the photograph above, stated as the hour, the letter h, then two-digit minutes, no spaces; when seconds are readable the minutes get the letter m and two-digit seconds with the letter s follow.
9h38
